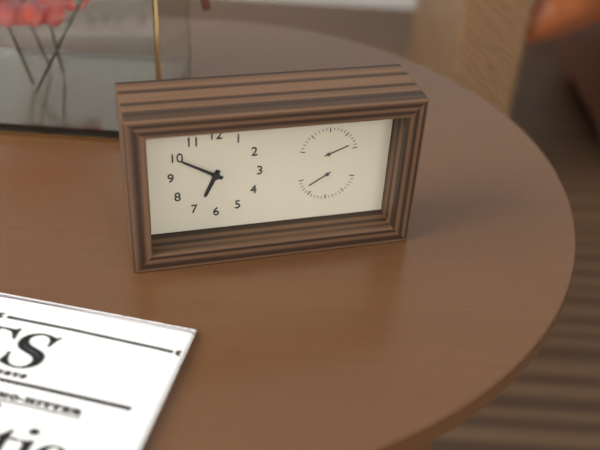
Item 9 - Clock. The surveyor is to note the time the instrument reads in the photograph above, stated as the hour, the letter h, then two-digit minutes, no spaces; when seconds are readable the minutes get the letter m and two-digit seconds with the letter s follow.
6h50
